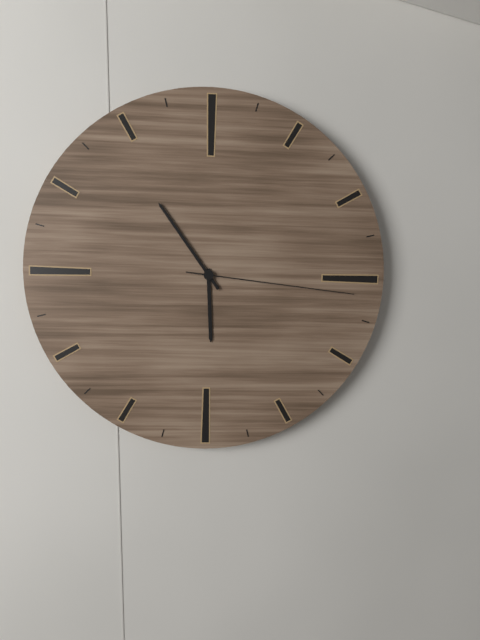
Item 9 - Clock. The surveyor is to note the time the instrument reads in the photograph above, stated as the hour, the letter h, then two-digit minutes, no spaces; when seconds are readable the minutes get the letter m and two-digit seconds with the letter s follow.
5h54m16s
